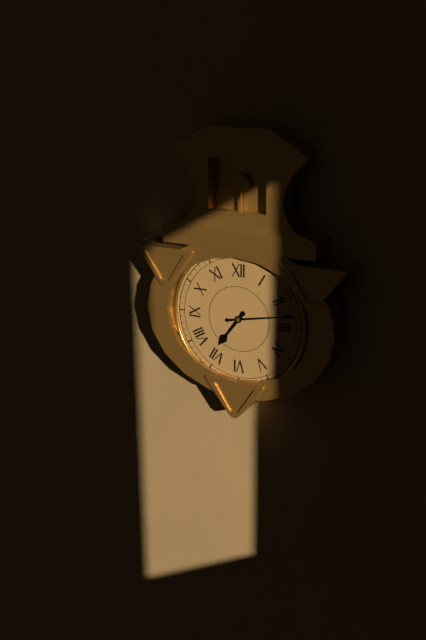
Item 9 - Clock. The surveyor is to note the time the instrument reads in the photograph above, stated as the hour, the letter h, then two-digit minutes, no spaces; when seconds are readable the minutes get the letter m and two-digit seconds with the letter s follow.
7h13
